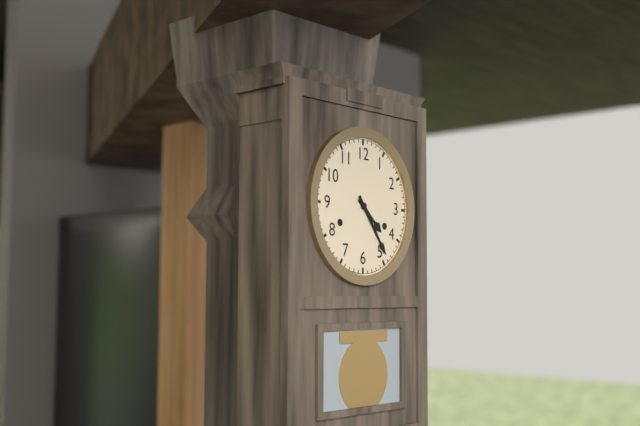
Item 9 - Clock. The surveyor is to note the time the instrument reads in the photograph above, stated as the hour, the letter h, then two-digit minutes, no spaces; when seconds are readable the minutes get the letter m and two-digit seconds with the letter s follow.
4h24
